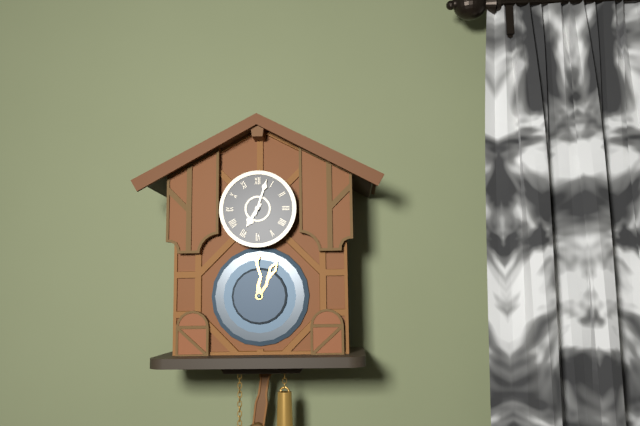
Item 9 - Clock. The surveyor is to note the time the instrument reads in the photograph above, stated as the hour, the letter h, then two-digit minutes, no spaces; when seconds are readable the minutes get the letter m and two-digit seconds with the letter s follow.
7h03
